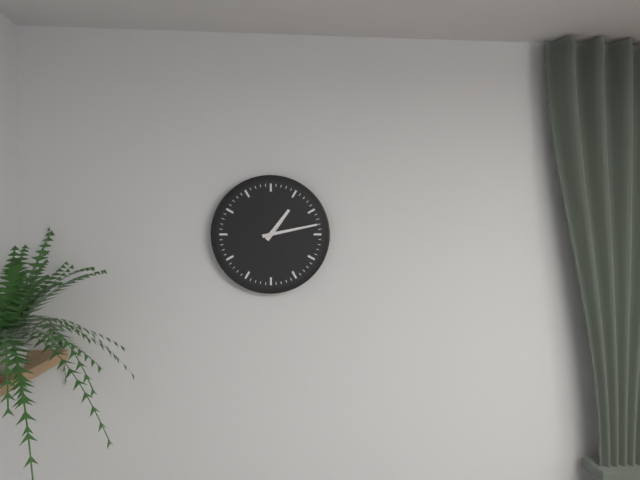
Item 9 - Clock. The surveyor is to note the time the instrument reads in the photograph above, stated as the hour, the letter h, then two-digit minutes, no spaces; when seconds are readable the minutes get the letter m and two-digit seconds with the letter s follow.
1h13
